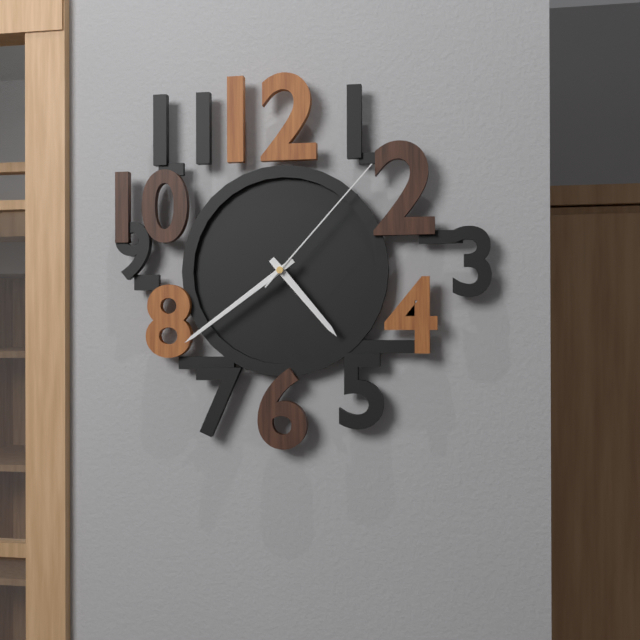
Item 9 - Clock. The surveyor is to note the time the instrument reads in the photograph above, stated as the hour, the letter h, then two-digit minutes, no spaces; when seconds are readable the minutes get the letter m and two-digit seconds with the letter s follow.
4h39m07s
